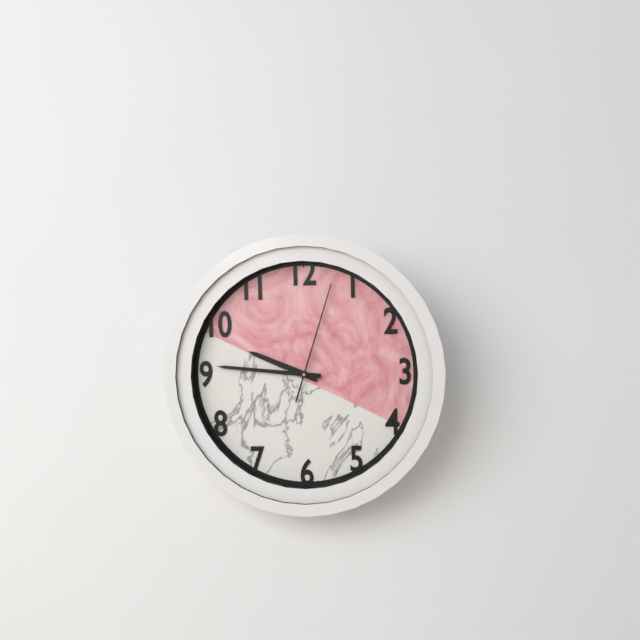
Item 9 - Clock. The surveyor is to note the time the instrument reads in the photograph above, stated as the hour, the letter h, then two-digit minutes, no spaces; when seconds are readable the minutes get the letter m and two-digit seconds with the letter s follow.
9h46m03s
